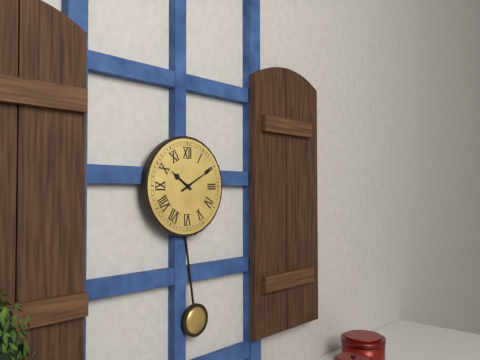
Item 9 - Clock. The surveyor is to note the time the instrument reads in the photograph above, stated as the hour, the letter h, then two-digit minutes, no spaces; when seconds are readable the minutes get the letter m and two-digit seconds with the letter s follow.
10h10
